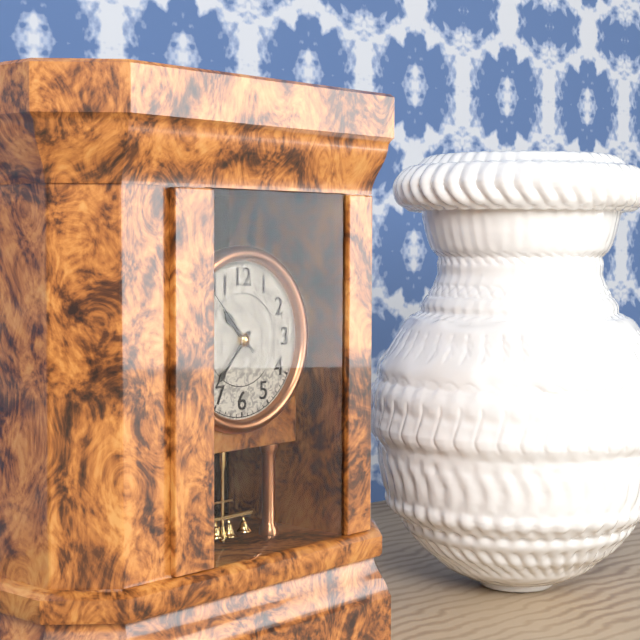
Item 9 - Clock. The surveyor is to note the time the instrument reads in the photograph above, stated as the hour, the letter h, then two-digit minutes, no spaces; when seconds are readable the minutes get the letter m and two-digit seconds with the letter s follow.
10h37m53s
